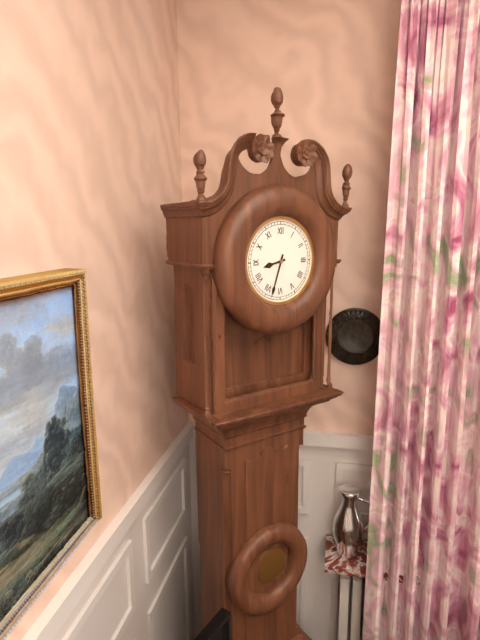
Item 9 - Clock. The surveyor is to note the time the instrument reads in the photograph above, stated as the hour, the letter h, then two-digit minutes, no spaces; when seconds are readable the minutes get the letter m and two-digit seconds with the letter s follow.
8h33
